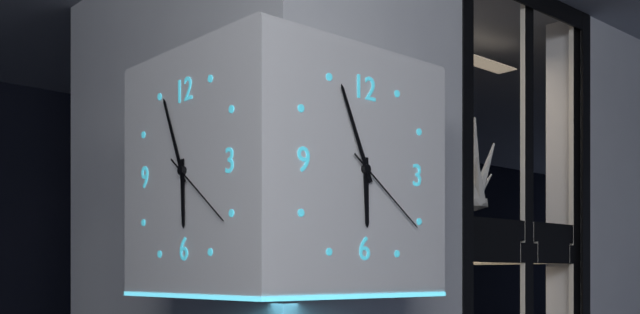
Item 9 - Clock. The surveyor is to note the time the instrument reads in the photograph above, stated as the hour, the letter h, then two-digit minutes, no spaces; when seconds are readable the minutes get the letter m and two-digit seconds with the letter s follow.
5h56m21s
